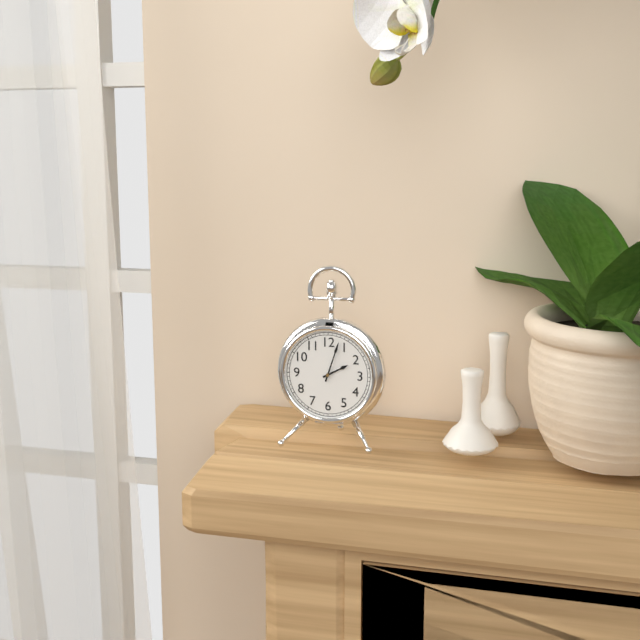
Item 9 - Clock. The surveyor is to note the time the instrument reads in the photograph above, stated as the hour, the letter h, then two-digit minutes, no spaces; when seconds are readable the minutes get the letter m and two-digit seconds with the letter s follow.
2h03
